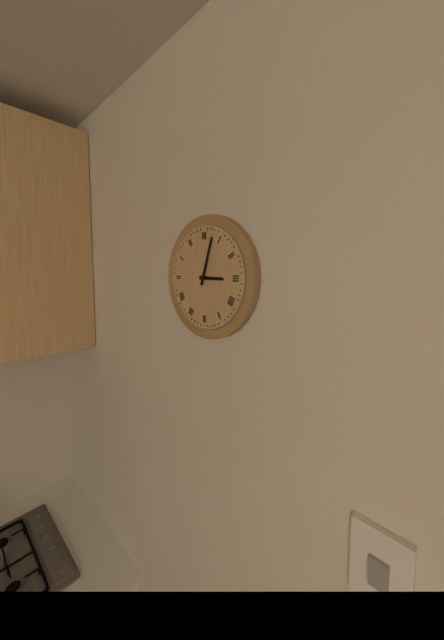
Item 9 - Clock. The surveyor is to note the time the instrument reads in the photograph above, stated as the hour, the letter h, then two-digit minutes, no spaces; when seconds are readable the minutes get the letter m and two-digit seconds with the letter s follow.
3h03
